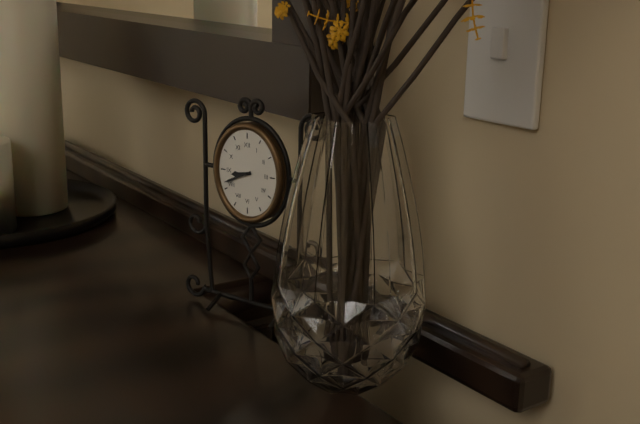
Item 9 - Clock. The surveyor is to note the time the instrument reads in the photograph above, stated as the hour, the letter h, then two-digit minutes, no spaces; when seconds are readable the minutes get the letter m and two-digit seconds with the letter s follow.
8h41
